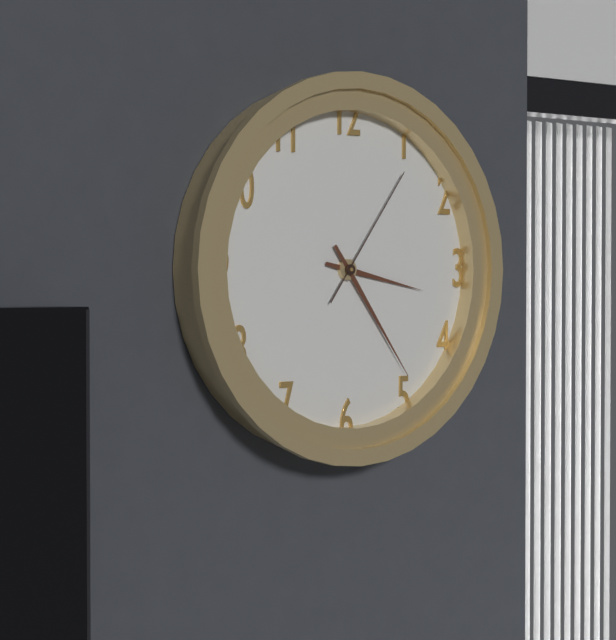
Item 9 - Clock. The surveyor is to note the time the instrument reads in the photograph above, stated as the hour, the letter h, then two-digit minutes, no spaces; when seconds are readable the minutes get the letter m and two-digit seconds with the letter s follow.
3h24m06s
